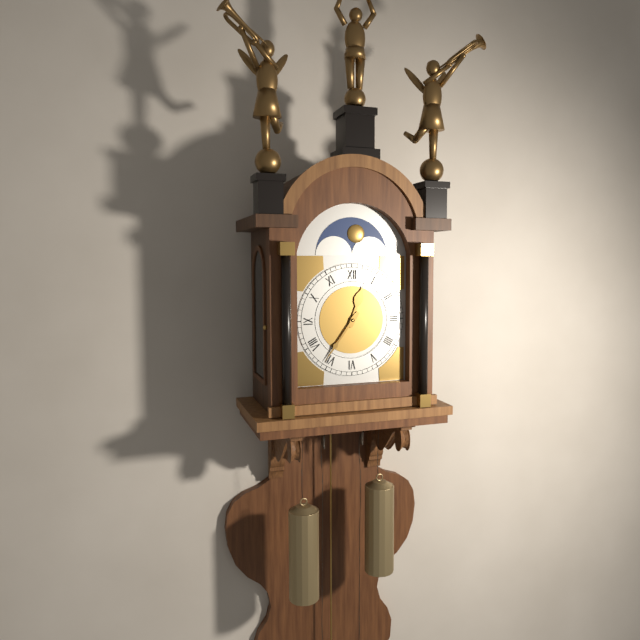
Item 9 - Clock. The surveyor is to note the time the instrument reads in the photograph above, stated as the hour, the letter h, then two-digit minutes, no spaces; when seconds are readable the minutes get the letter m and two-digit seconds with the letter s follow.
12h36
